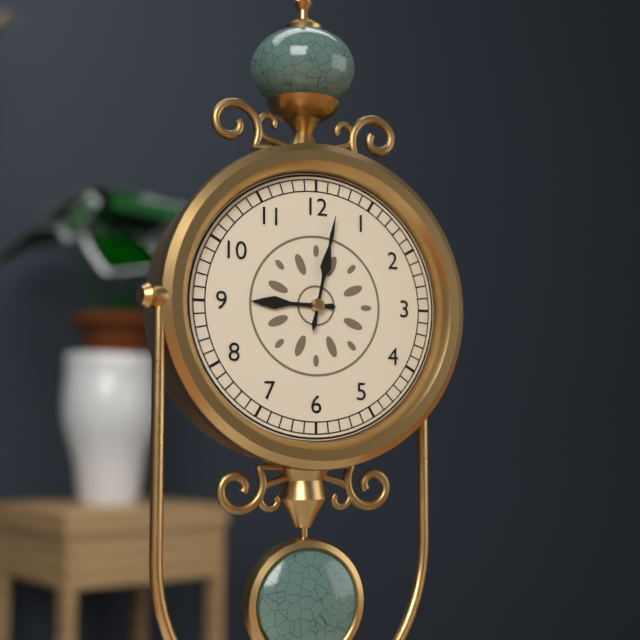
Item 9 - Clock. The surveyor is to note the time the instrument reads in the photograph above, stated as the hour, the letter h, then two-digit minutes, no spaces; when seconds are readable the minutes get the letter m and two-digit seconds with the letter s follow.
9h02
